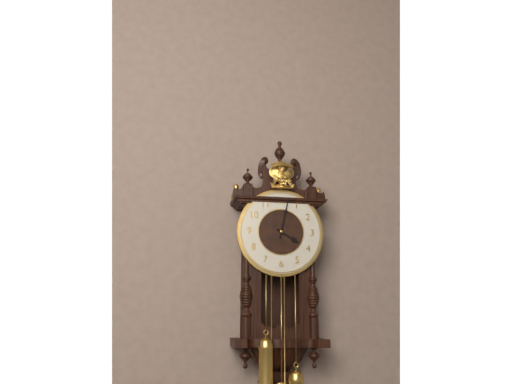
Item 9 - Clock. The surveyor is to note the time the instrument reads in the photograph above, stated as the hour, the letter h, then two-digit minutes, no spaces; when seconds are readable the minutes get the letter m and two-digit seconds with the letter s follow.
4h02
